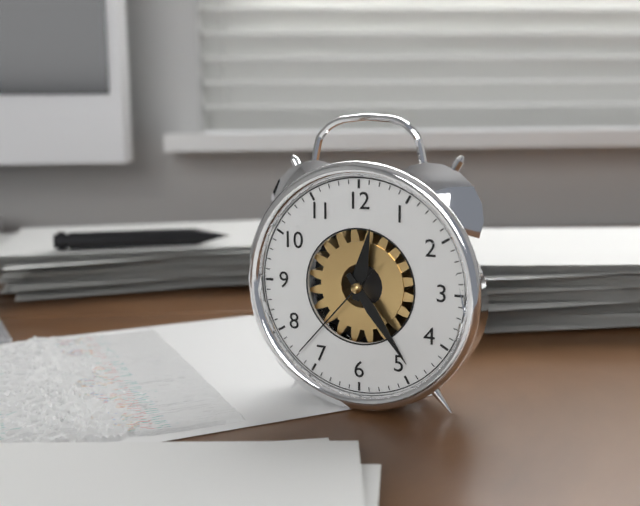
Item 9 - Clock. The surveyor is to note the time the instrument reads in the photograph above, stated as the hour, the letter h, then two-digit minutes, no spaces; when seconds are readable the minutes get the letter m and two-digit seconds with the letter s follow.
12h24m37s
